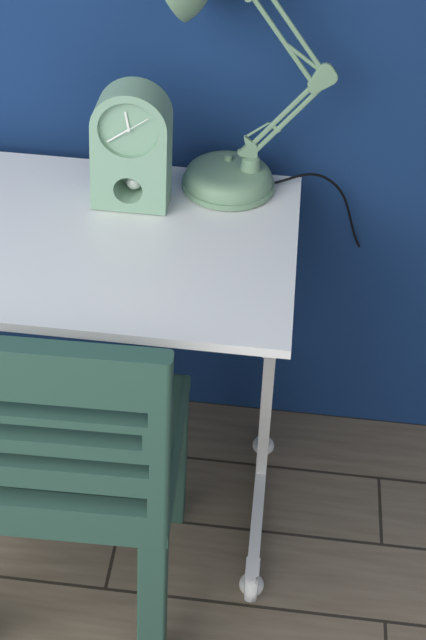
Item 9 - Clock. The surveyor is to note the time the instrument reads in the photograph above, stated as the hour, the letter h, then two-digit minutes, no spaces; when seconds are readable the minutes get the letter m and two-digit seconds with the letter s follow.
11h39
